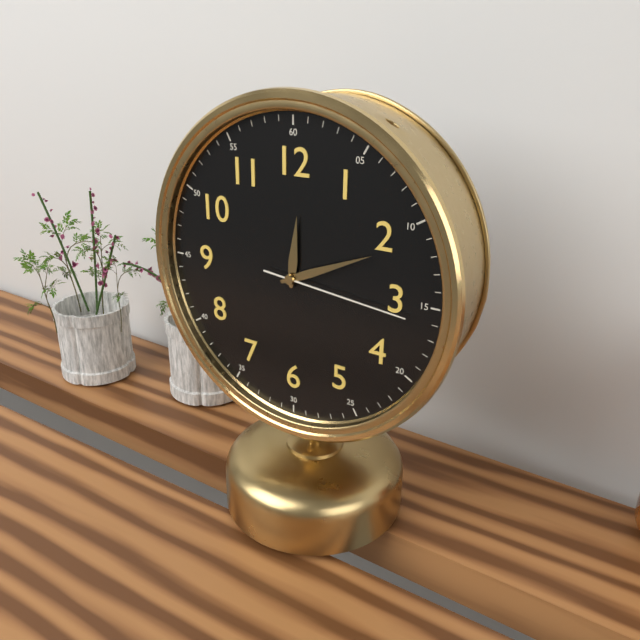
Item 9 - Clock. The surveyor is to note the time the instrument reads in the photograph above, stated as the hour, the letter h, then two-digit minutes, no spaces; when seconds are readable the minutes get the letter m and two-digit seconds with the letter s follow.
12h11m16s
